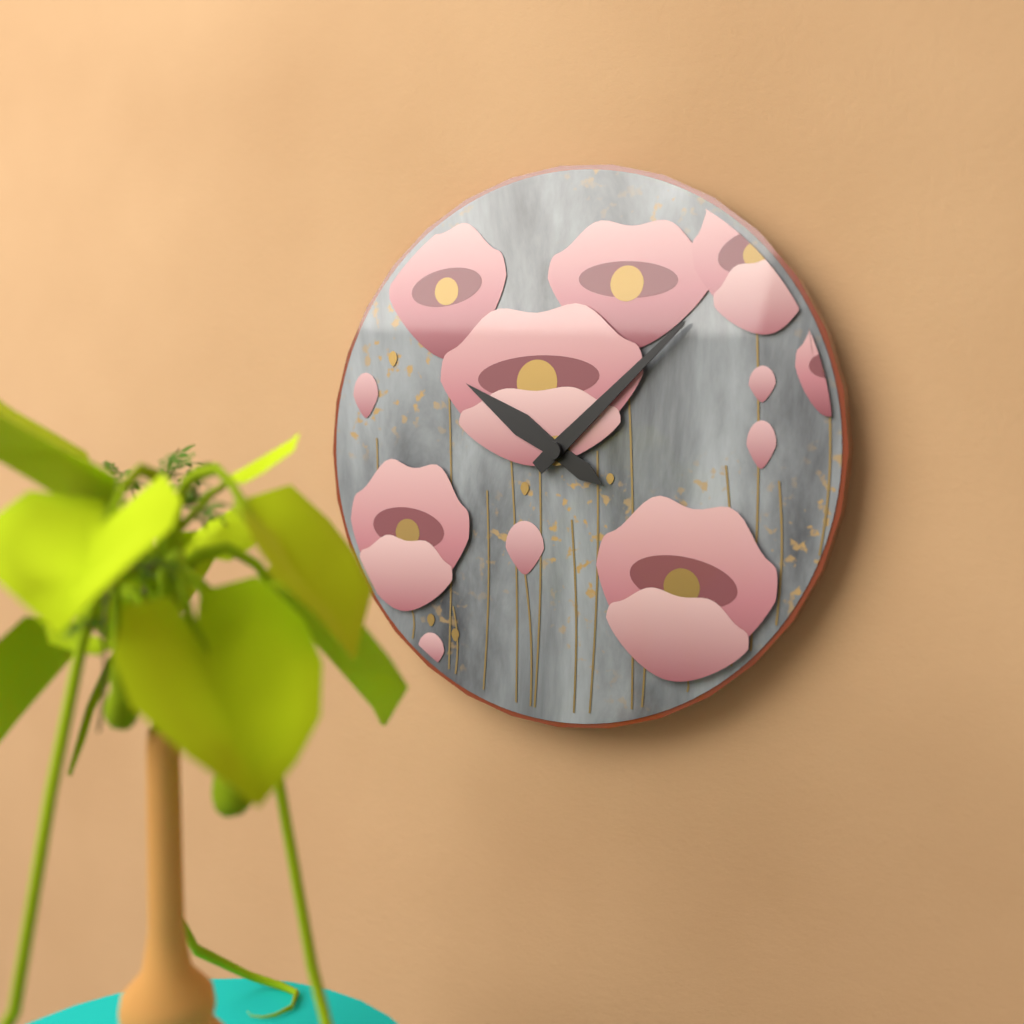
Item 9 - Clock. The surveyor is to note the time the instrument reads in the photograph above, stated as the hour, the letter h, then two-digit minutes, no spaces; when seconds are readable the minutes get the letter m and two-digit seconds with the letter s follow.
10h08
